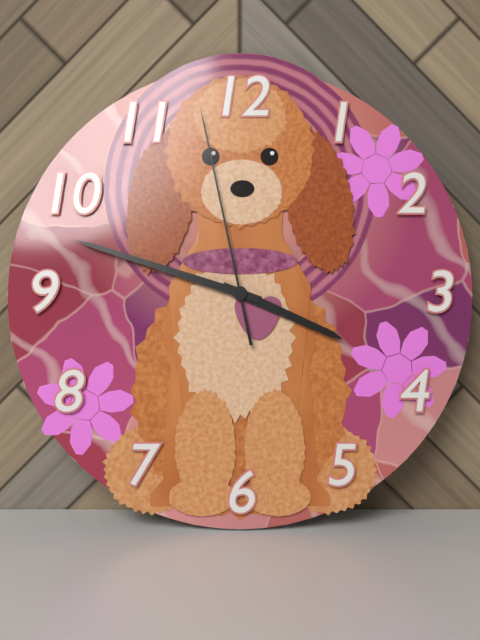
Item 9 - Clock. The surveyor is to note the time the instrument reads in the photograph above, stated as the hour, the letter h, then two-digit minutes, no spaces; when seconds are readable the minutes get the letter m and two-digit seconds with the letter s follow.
3h48m58s
